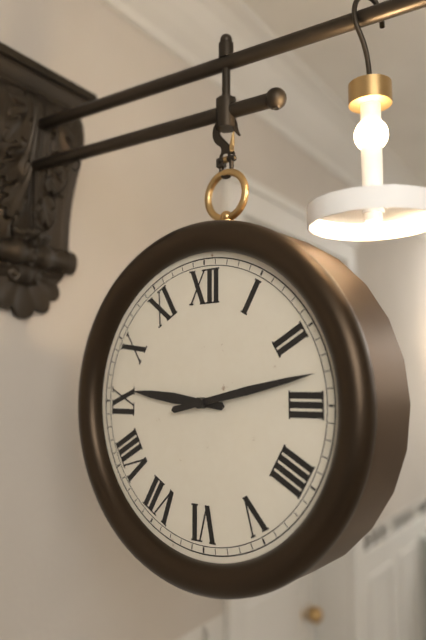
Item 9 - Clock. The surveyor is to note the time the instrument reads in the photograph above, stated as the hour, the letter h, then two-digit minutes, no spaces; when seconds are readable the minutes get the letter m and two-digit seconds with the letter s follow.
9h13
